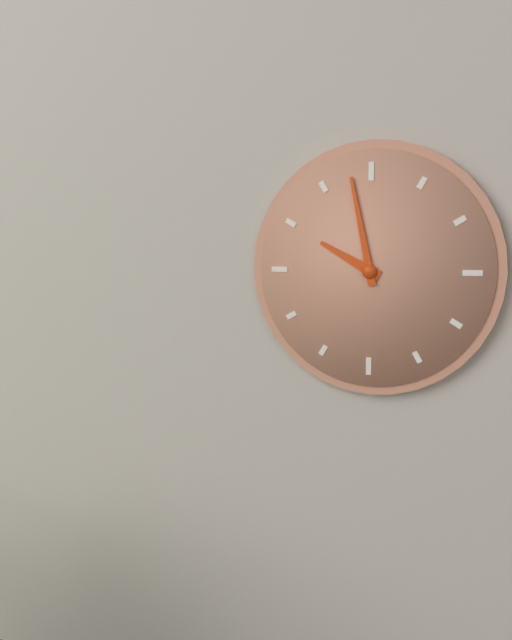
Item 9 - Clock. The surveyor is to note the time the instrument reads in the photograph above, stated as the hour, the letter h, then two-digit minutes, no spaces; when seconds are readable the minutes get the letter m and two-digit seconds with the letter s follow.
9h58
